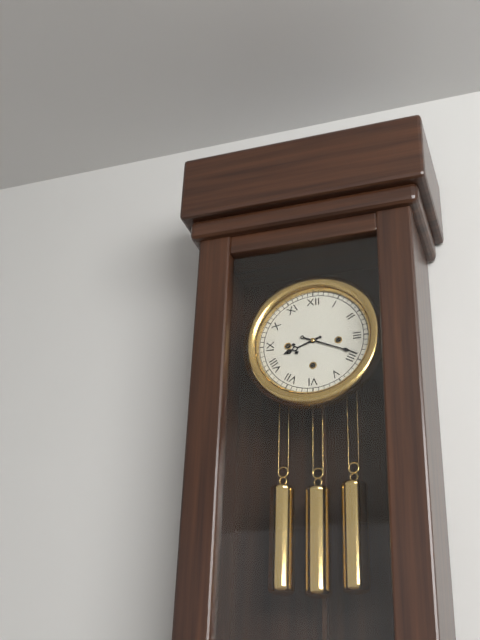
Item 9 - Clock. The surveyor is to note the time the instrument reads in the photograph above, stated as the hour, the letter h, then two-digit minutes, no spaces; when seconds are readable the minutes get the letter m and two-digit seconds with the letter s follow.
8h19
